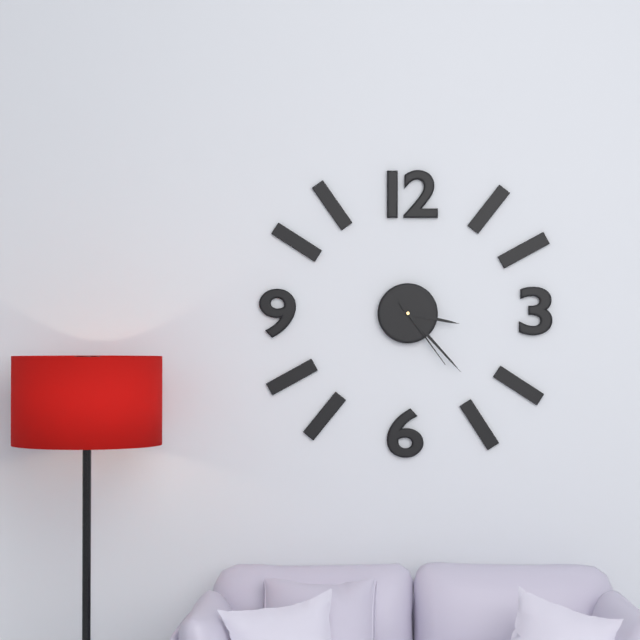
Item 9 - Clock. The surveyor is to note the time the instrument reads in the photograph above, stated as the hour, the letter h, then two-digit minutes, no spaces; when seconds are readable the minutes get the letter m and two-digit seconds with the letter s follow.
3h23m24s
